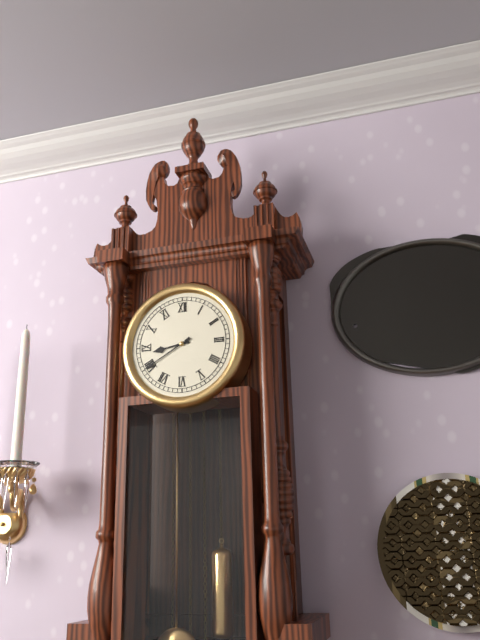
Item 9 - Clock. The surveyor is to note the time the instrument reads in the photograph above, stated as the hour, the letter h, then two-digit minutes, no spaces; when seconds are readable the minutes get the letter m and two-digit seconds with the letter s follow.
8h40
